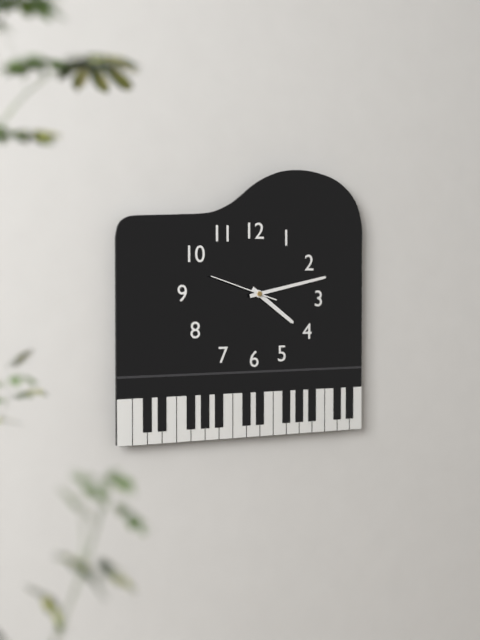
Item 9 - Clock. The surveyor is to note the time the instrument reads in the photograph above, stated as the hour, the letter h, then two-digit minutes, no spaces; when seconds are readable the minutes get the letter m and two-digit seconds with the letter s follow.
4h13m48s
